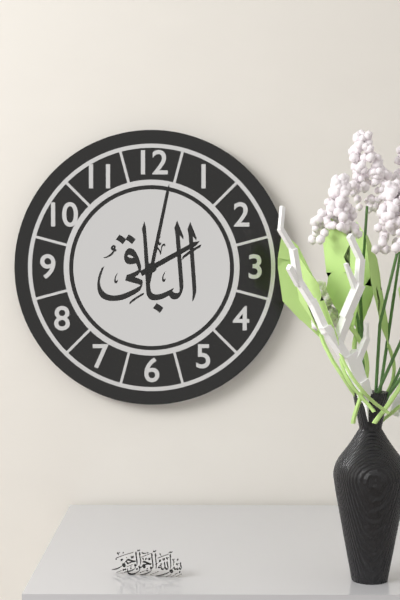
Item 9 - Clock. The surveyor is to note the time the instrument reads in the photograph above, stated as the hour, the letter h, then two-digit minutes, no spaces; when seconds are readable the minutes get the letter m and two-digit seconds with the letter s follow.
2h02
